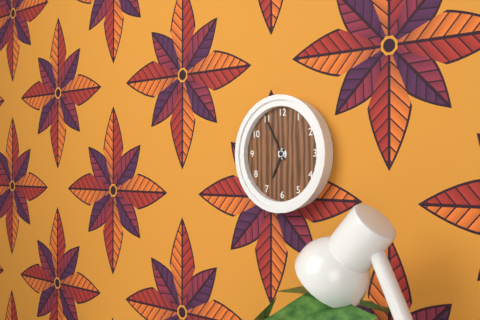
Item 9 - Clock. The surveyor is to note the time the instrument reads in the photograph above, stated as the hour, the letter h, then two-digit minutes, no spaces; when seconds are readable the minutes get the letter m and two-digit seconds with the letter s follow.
6h55
